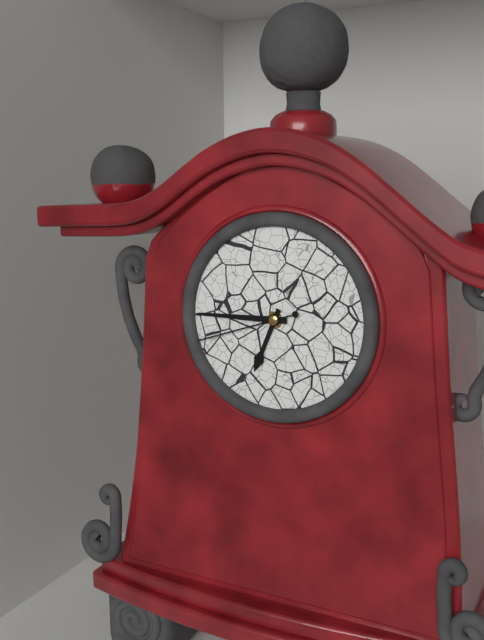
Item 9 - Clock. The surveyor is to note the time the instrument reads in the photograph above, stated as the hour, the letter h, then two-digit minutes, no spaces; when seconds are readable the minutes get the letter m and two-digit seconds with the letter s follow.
6h45m42s
